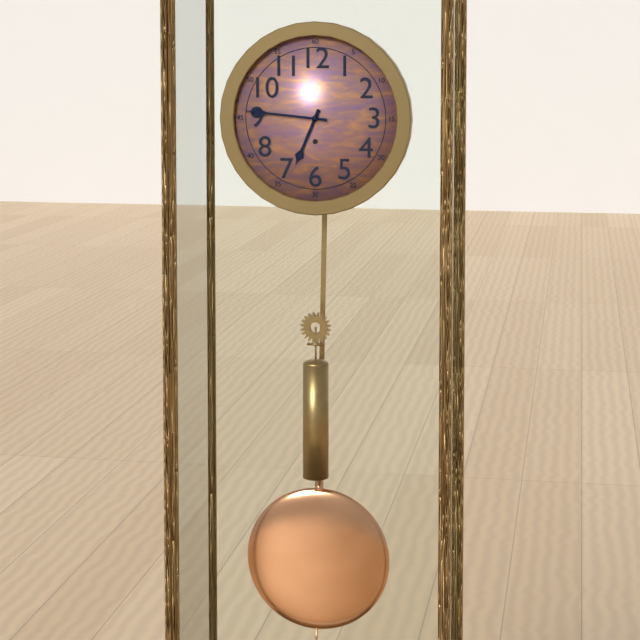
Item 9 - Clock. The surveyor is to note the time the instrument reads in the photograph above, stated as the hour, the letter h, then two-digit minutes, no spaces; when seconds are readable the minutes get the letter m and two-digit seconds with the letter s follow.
6h46
